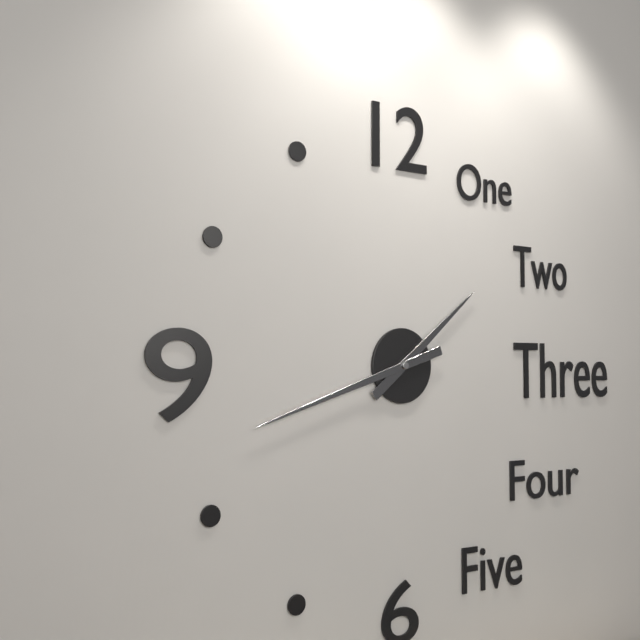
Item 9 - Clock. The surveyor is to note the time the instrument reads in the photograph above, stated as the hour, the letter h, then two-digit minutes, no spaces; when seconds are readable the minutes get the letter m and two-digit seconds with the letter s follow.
1h42
